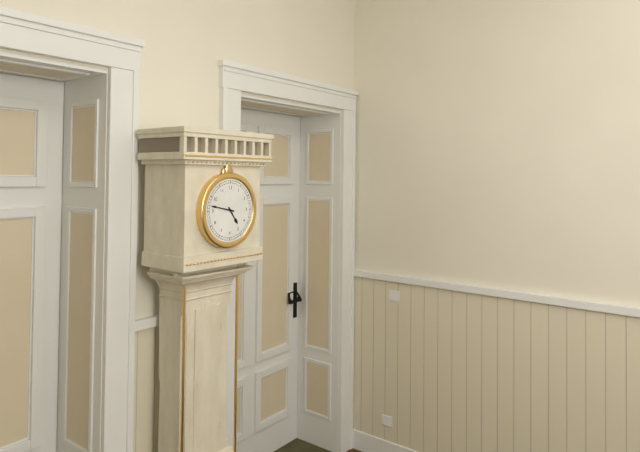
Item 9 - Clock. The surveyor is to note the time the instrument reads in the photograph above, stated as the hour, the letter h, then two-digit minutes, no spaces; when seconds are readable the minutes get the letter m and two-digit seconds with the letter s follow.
4h47
